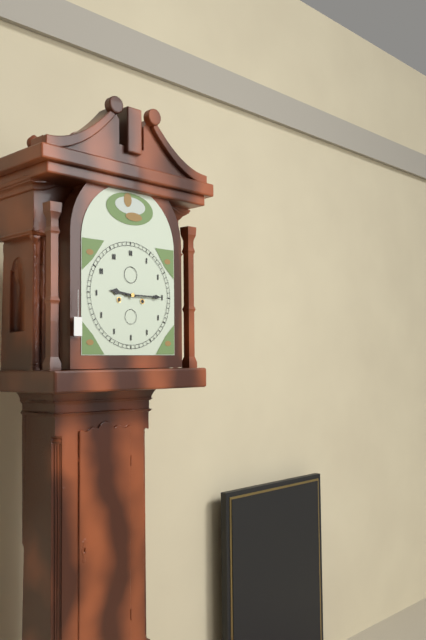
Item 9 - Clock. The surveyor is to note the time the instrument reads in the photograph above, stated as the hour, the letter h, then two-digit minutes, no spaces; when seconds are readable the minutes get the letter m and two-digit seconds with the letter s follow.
9h15
